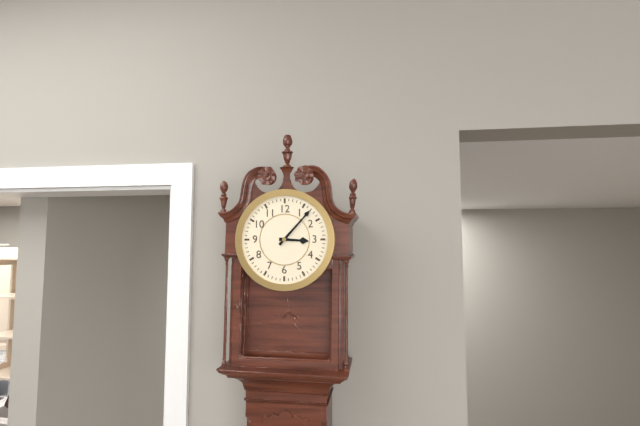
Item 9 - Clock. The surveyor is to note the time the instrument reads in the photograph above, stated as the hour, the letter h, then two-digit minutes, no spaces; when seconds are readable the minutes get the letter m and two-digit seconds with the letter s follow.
3h07
